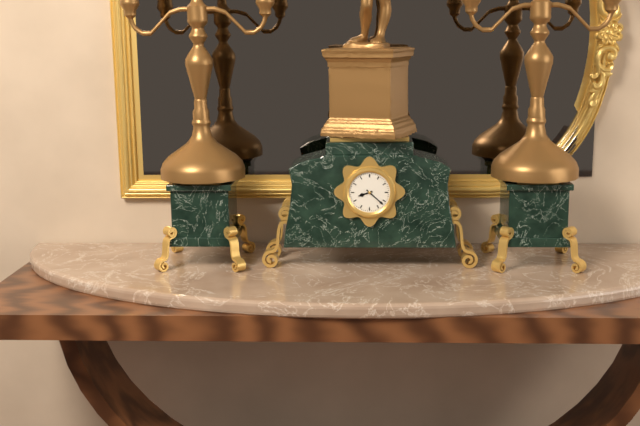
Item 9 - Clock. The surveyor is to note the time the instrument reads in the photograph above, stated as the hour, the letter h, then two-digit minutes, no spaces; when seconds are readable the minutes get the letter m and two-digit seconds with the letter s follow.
8h22
